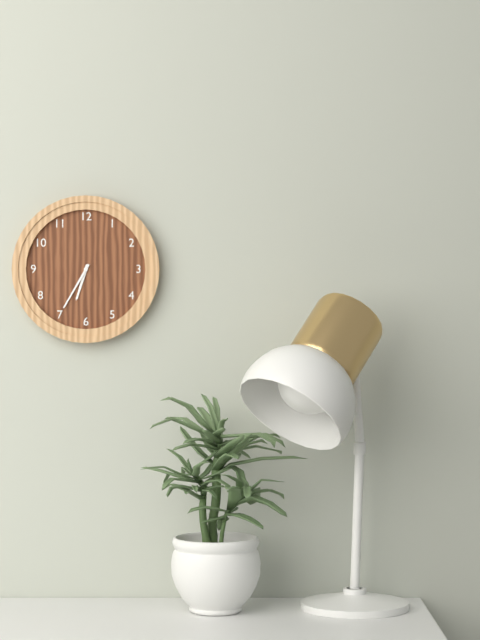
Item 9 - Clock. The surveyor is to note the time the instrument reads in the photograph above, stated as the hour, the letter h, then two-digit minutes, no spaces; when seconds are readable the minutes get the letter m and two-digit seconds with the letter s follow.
6h35
